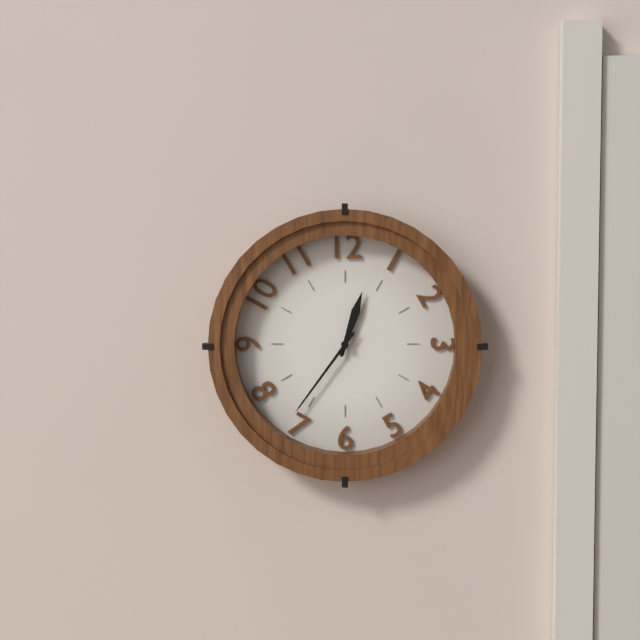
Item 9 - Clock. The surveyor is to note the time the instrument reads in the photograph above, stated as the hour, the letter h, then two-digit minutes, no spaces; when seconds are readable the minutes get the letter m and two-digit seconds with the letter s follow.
12h36
